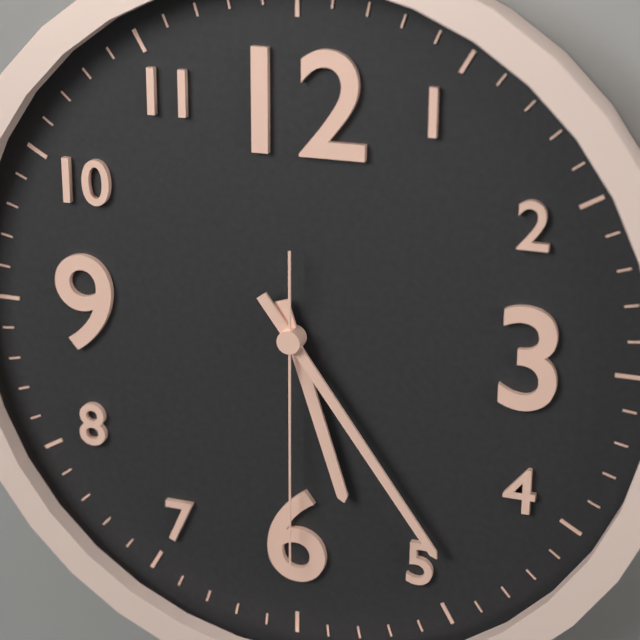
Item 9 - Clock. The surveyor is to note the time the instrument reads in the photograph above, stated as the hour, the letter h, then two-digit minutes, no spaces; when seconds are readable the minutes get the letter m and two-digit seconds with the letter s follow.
5h24m30s
